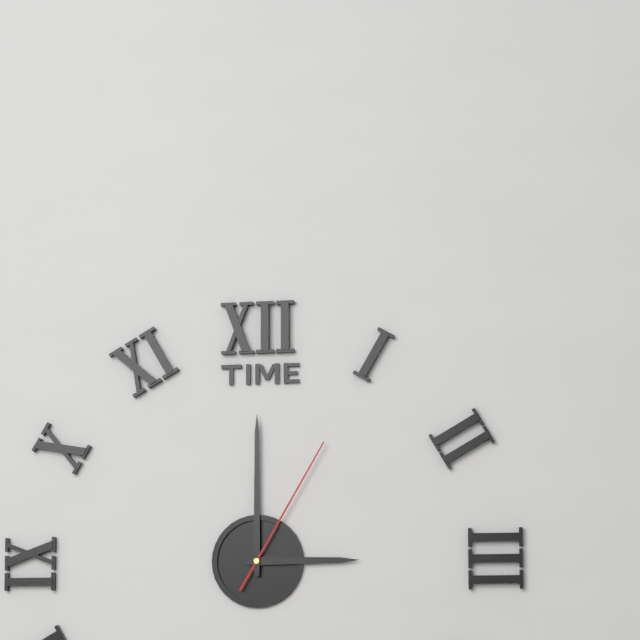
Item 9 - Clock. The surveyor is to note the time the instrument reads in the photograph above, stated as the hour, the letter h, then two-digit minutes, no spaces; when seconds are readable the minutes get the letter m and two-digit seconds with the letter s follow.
3h00m05s
